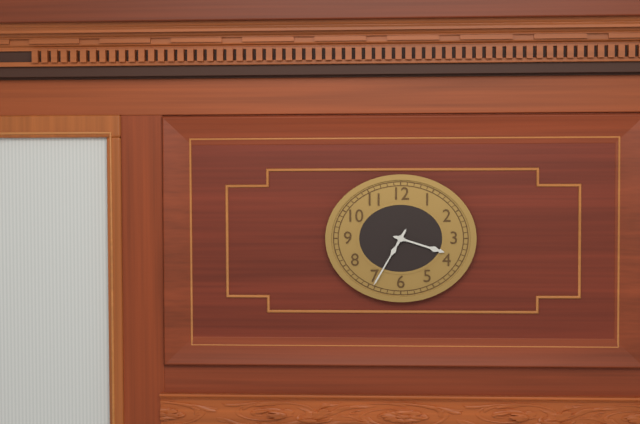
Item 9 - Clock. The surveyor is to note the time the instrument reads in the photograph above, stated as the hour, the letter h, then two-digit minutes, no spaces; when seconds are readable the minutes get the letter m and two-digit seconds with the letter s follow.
3h35
